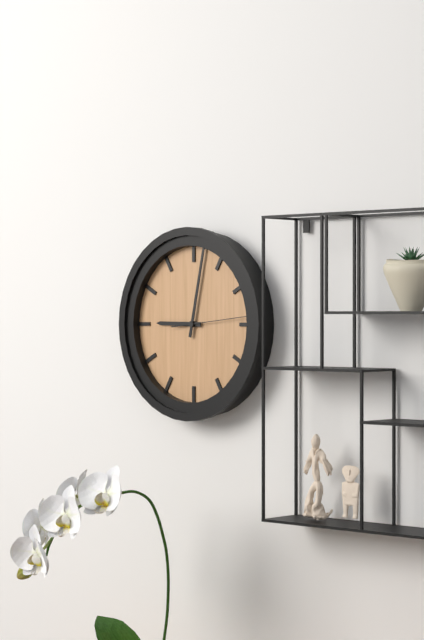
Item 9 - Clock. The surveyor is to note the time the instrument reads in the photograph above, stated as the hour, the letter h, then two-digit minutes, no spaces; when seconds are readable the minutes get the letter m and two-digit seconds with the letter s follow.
9h02m14s
